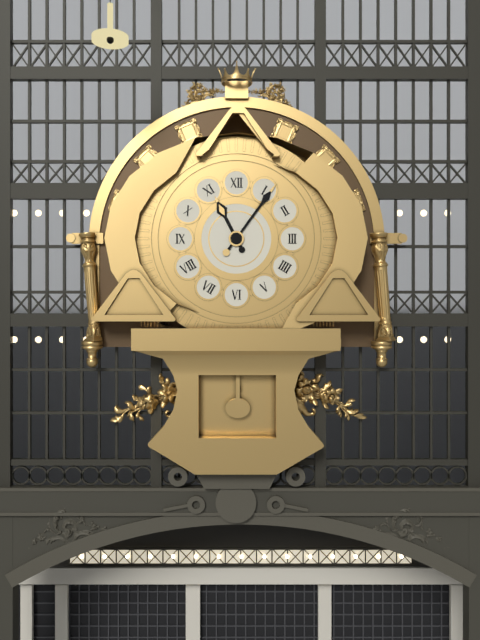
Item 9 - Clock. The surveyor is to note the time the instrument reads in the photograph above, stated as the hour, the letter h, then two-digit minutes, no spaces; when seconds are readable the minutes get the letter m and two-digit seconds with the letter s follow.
11h06
